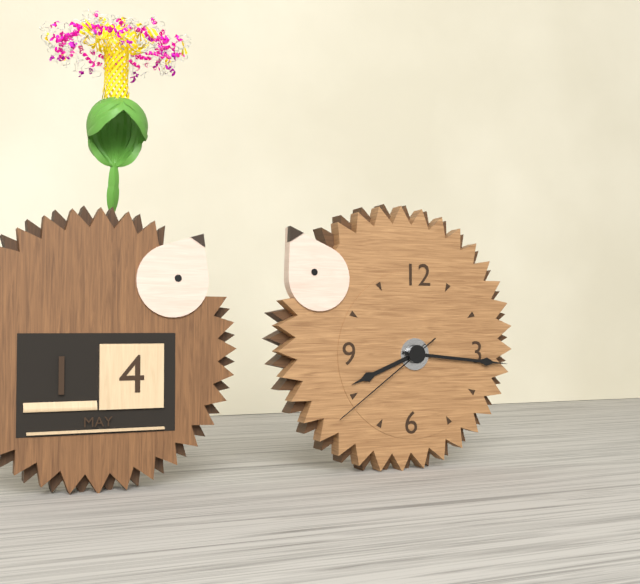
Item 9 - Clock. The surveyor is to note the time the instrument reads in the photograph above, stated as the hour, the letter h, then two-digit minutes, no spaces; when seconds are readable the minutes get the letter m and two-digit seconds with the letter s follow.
8h16m39s
